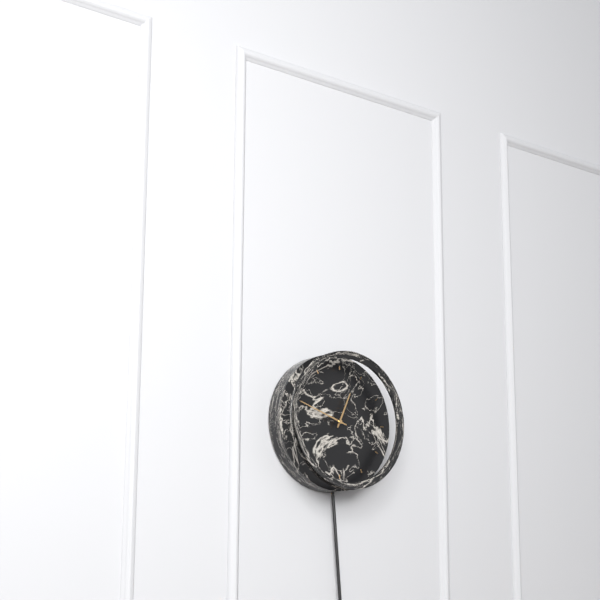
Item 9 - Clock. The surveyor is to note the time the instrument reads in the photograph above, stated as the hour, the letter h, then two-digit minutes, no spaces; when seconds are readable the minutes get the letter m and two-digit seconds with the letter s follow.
12h48
